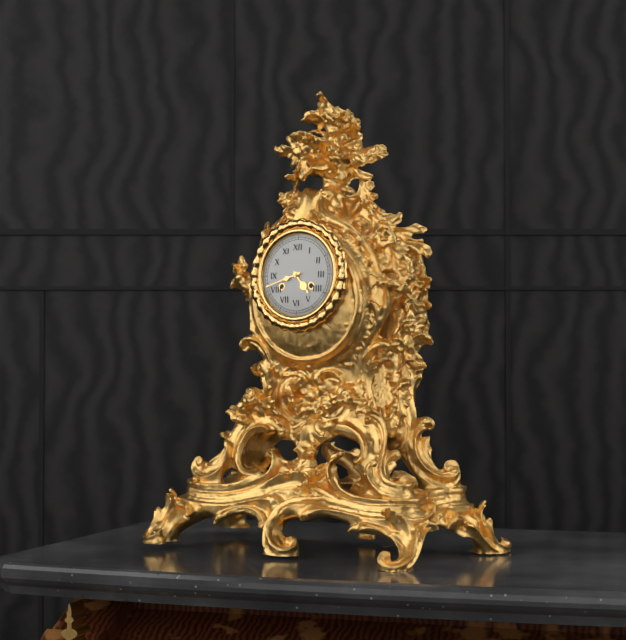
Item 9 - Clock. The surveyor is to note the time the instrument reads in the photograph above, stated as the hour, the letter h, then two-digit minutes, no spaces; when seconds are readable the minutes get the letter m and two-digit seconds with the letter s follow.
4h42
